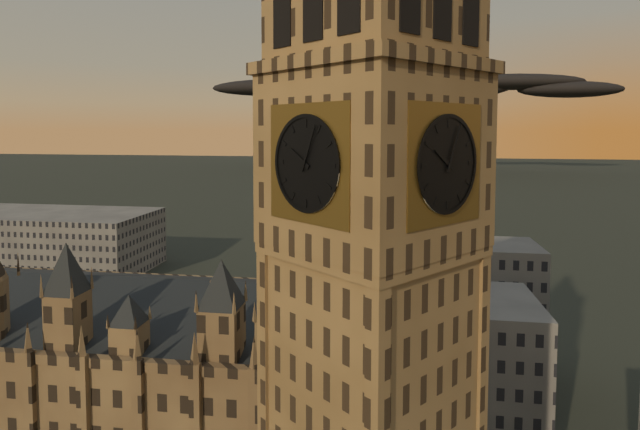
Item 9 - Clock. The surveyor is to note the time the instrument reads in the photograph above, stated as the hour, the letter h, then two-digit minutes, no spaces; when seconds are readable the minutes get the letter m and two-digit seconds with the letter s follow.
10h04
